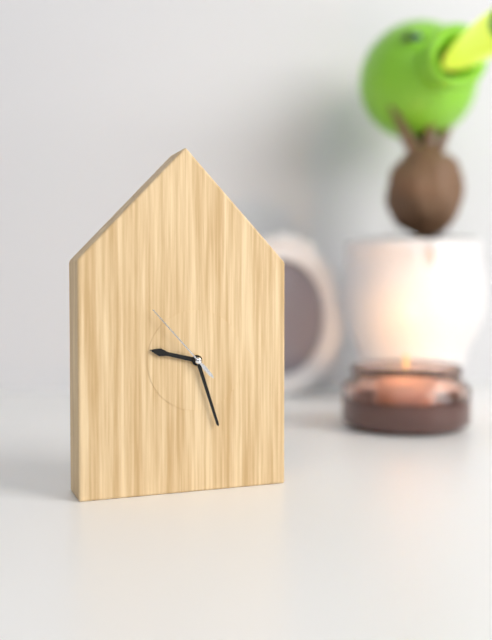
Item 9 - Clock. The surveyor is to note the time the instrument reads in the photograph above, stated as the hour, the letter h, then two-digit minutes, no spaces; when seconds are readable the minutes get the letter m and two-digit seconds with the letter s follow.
9h27m53s
